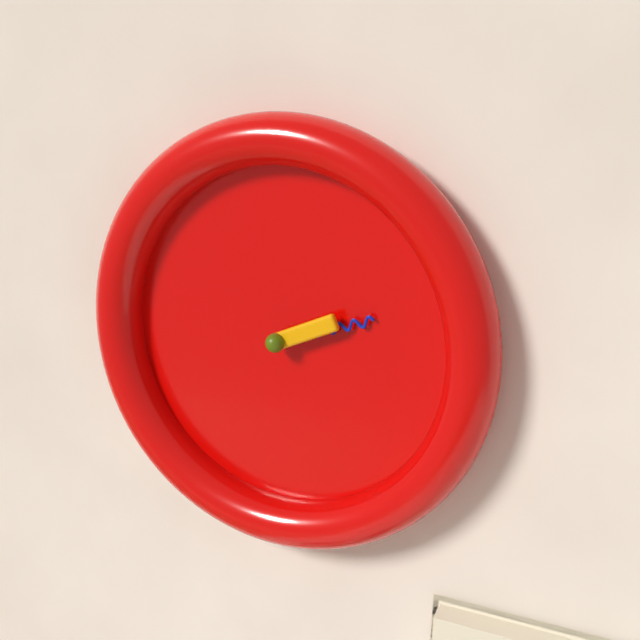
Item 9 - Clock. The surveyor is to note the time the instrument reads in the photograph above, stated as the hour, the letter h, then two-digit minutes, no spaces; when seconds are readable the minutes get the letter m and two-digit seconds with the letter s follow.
2h12
